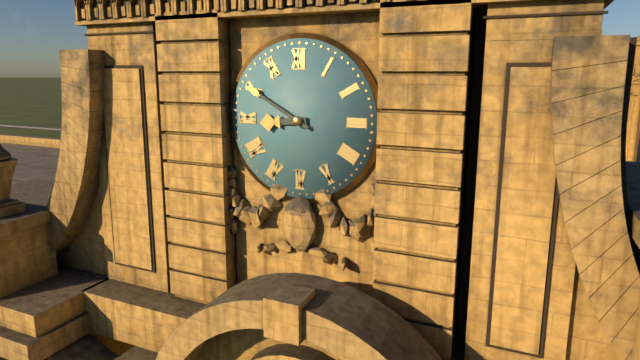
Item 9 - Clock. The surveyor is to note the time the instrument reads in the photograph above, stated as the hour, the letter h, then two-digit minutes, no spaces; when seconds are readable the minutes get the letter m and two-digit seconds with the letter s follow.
8h50
